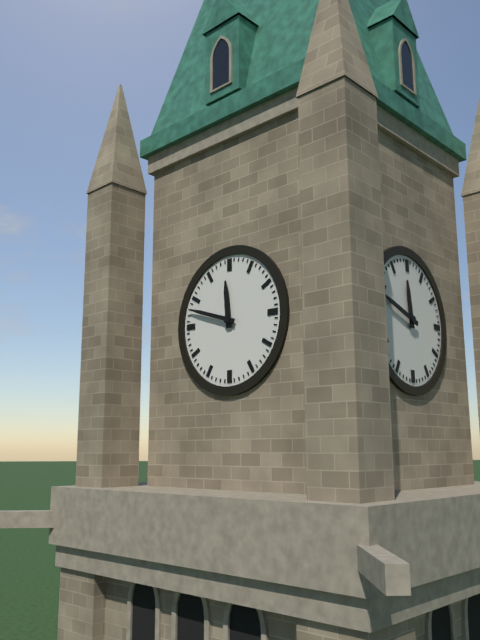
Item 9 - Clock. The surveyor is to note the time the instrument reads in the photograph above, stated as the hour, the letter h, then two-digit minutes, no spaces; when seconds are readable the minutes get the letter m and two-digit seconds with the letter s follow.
11h48
